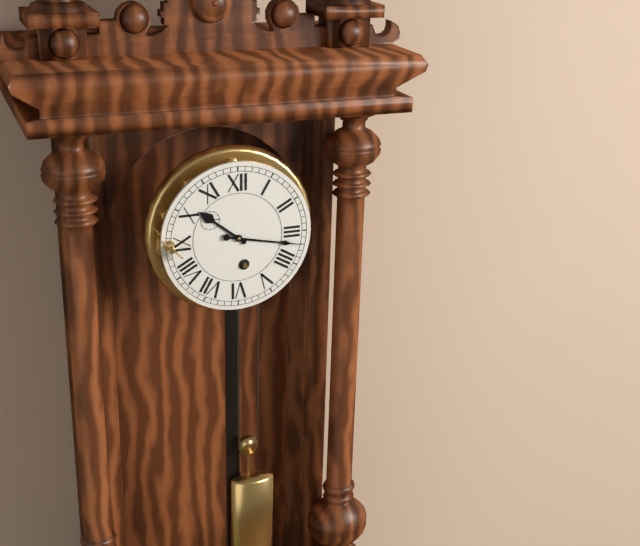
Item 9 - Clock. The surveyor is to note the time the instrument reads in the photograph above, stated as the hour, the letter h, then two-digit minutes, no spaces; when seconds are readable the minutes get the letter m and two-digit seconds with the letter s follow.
10h17
